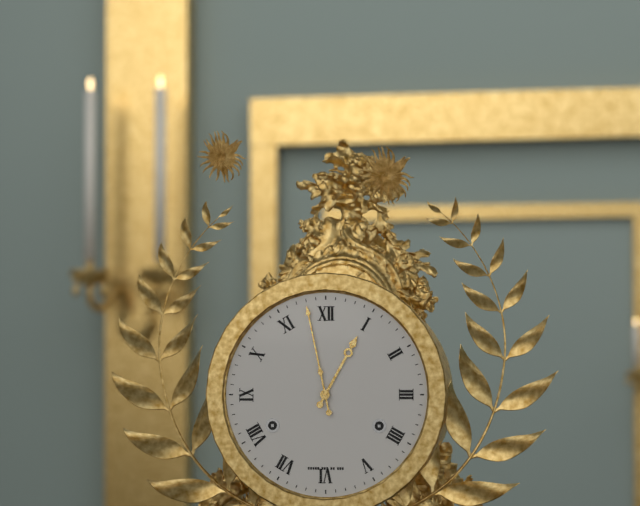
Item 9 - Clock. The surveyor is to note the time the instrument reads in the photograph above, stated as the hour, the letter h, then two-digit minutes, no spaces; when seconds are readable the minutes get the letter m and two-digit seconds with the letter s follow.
12h58
